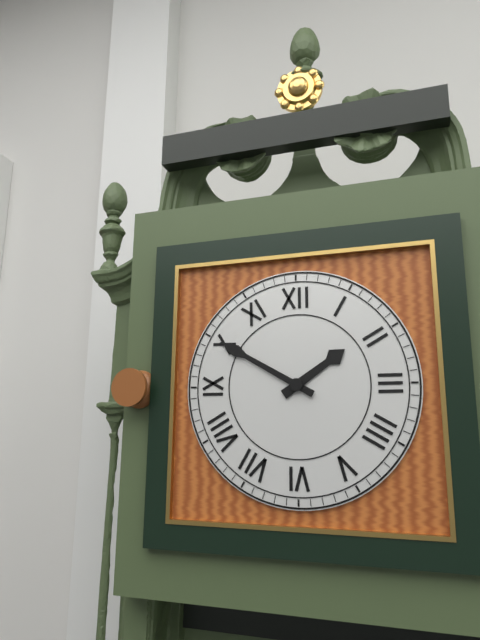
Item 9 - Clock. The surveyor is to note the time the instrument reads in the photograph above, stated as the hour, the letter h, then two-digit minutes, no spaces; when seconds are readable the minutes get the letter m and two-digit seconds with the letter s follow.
1h50
